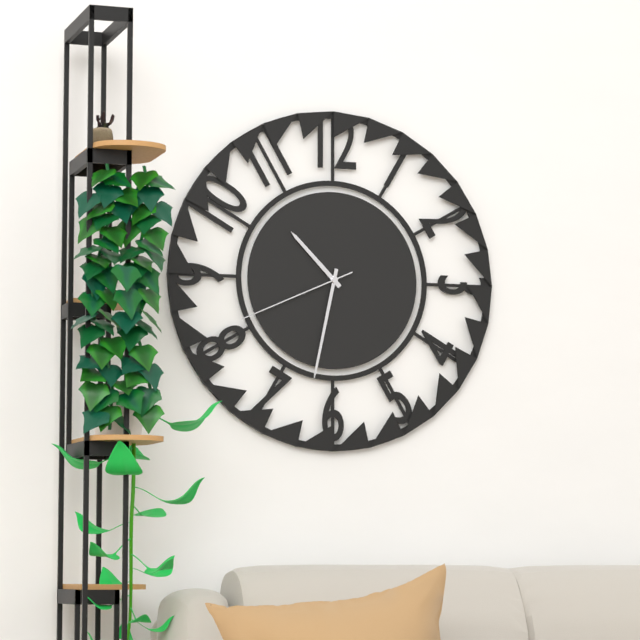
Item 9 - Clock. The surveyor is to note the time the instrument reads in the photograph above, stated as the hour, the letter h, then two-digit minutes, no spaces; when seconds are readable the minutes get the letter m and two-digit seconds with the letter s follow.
10h32m41s
